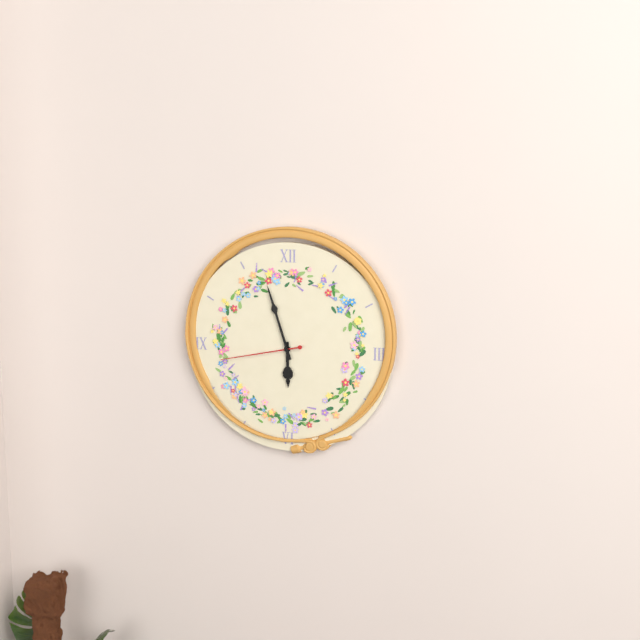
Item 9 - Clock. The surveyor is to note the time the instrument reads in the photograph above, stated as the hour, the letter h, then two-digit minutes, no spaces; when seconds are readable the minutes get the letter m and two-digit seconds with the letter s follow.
5h57m43s
